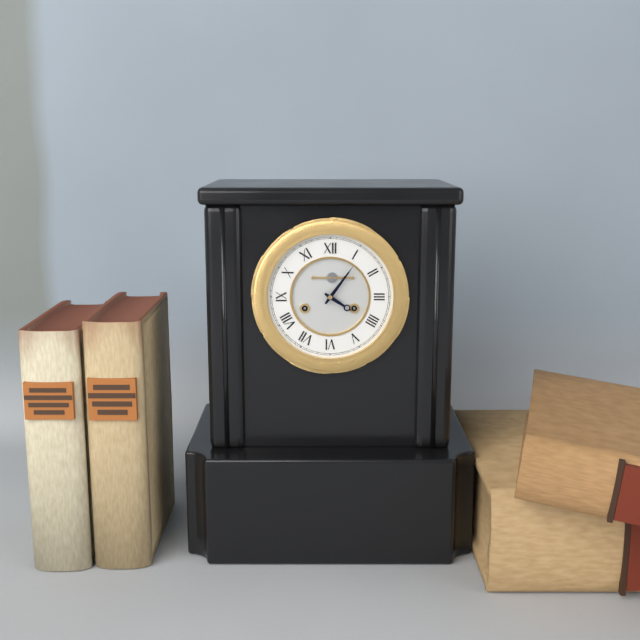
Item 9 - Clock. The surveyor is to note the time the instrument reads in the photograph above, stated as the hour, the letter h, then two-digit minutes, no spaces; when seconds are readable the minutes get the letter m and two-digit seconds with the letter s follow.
4h06
